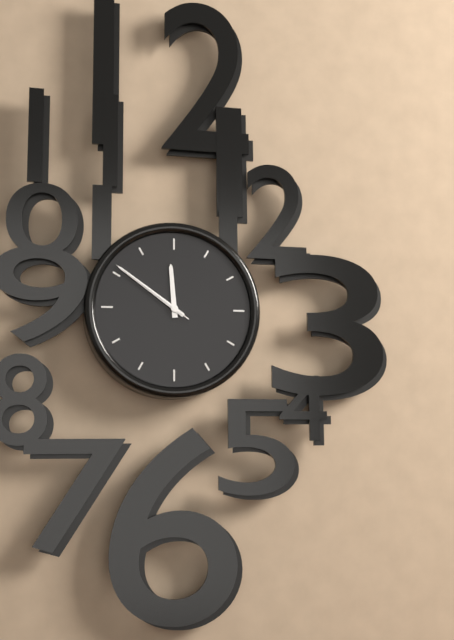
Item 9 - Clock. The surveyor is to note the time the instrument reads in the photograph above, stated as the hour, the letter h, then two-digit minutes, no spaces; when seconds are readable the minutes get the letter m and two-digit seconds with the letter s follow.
11h51m51s
